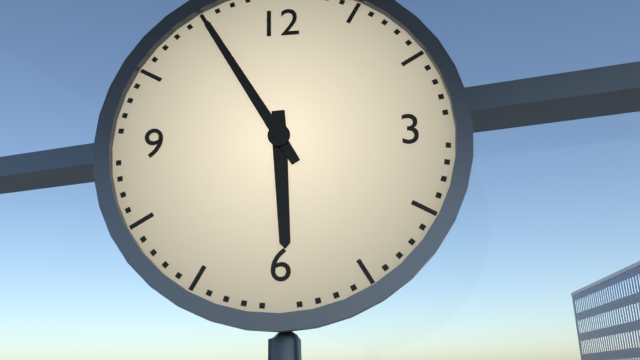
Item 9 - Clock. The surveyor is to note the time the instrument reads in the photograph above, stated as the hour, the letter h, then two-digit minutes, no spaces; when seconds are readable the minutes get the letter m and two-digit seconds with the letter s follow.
5h55
